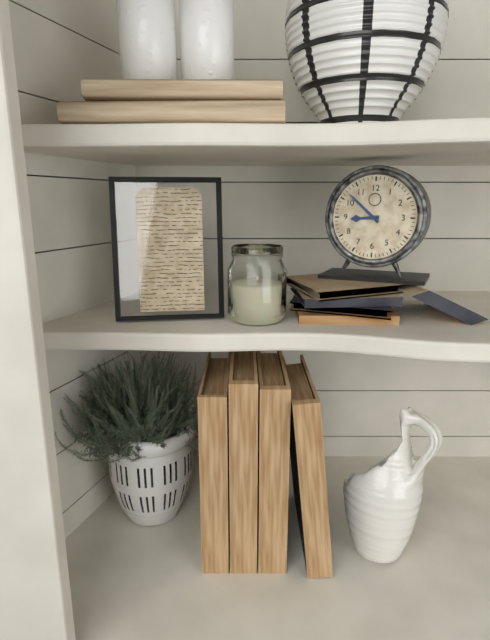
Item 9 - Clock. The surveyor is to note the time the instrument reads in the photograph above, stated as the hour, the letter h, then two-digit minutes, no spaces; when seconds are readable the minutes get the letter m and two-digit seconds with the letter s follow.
8h52
